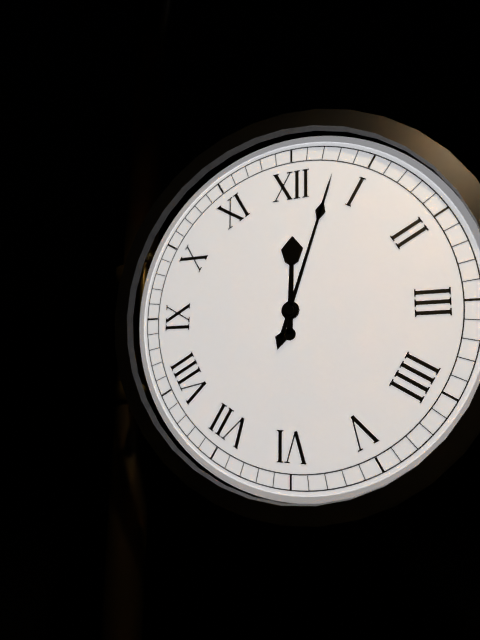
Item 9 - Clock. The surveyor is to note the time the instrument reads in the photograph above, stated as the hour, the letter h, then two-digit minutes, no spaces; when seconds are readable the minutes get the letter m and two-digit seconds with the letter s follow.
12h03
